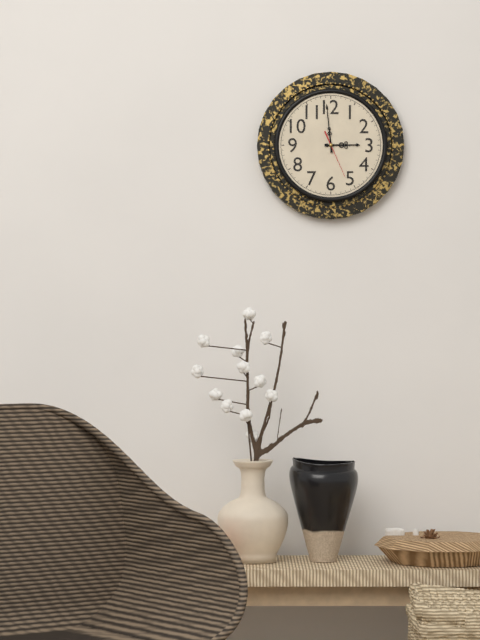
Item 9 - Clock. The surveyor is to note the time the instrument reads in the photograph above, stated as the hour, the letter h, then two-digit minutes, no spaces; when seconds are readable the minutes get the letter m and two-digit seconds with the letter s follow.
2h59
